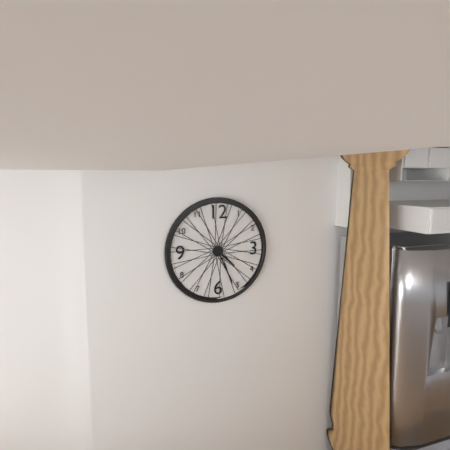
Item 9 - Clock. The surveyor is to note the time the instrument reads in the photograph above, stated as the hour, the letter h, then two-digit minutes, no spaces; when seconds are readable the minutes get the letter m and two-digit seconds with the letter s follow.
4h26
